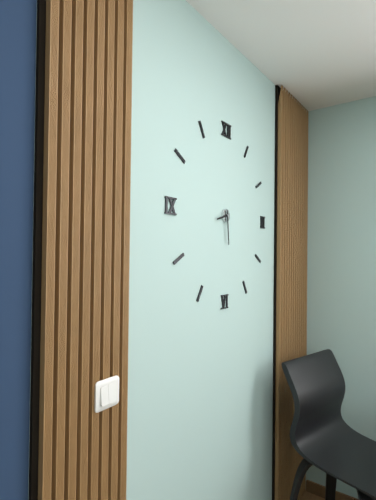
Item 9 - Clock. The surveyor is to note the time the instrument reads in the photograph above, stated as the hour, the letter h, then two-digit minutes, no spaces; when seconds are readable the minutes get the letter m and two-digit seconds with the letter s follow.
8h29
